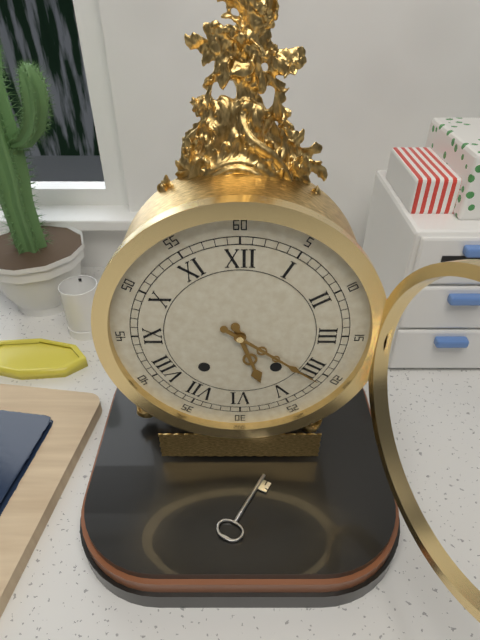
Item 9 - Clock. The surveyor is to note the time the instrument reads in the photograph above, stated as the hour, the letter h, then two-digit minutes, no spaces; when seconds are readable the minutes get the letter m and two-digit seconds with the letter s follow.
5h21
